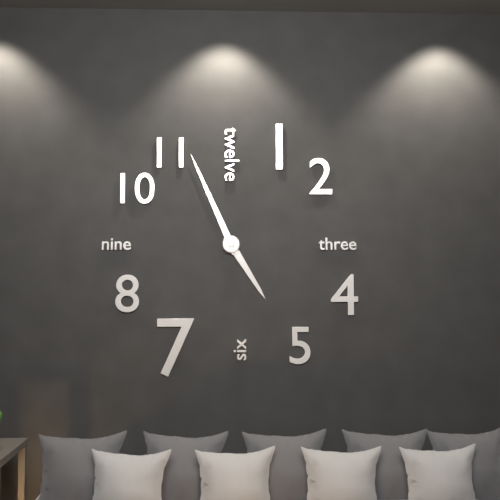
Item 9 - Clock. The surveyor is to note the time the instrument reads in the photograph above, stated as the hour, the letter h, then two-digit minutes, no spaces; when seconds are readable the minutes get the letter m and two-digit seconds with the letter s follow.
4h56
